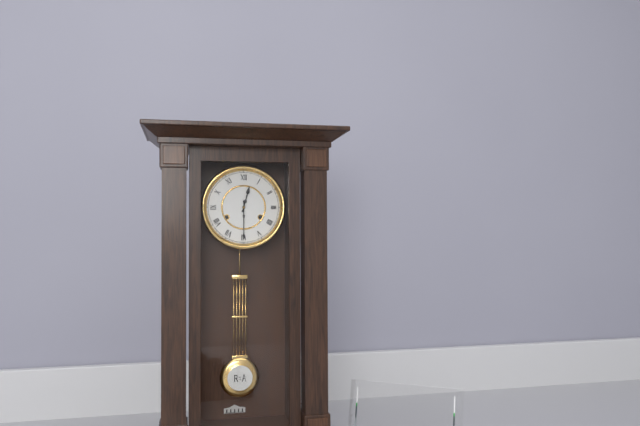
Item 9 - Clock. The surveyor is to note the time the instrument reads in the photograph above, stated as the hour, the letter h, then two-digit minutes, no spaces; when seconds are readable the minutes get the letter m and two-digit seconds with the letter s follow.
12h30
